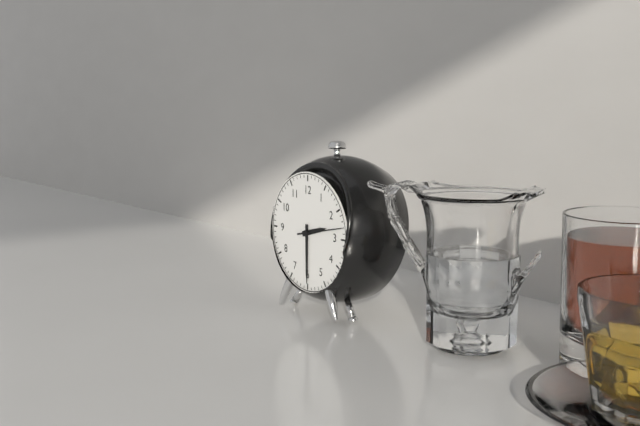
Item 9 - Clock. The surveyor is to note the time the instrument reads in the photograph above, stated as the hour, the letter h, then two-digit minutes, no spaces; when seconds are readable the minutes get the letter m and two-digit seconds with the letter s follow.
2h30
